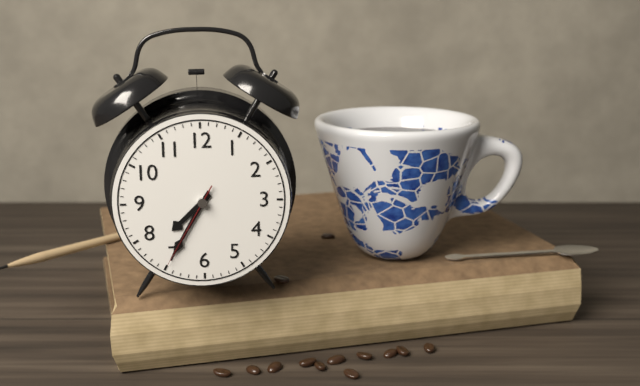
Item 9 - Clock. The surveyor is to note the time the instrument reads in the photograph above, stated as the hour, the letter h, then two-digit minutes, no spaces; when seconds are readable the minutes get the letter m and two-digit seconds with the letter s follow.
7h35m35s
